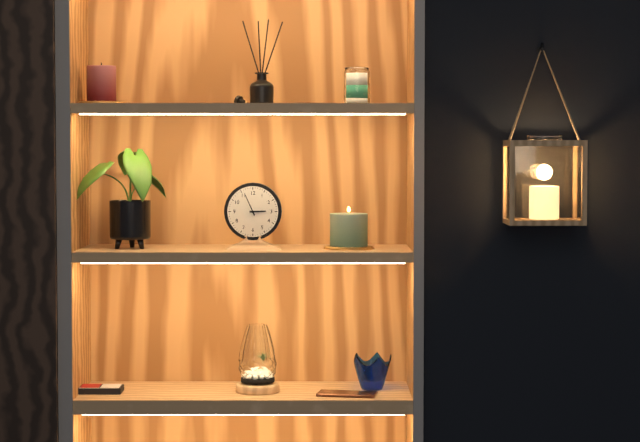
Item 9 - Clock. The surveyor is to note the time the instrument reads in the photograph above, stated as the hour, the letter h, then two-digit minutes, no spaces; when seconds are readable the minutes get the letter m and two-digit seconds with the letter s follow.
2h56
